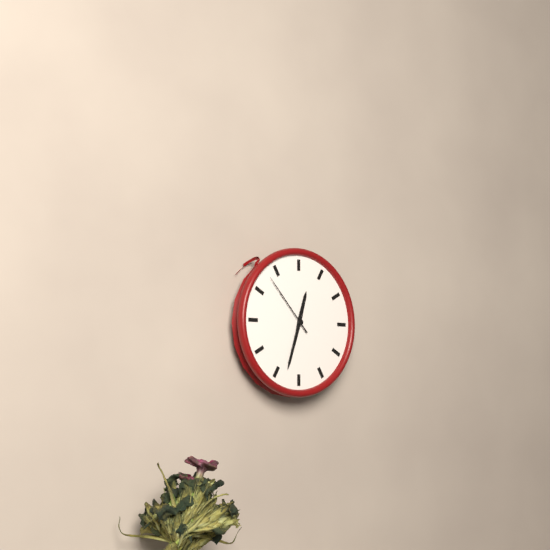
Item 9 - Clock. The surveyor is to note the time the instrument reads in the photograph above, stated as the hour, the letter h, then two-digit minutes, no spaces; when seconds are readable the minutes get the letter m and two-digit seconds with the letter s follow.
12h33m53s
